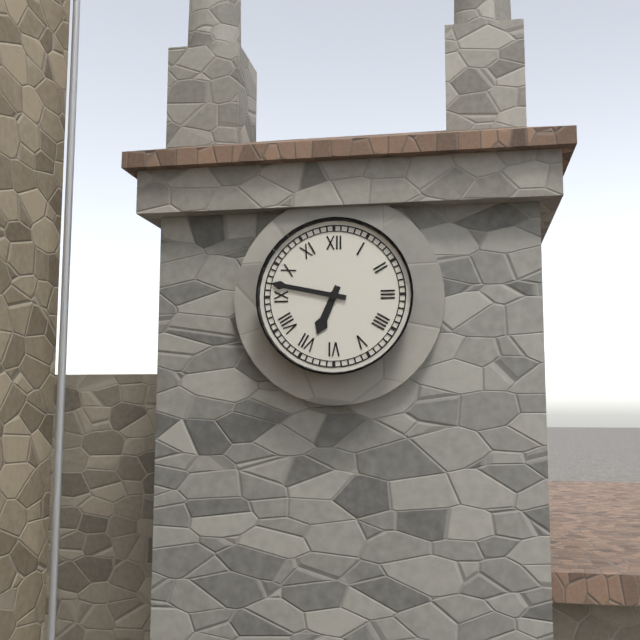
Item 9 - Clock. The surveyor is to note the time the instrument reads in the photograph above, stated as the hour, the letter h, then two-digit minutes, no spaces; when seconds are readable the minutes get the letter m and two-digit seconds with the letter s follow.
6h47
